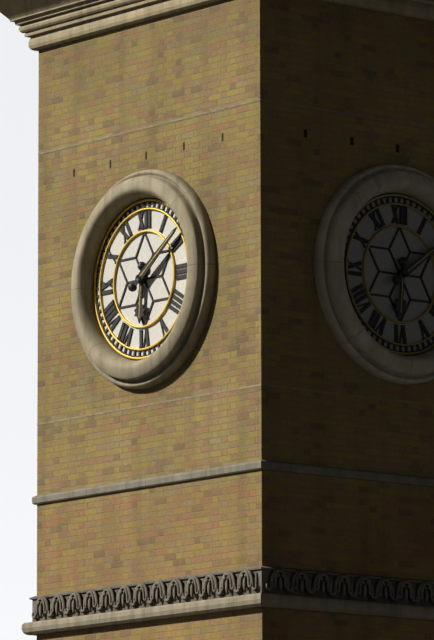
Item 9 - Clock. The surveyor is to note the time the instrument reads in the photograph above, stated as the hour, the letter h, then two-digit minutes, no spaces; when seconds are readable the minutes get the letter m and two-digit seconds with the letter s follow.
6h09
